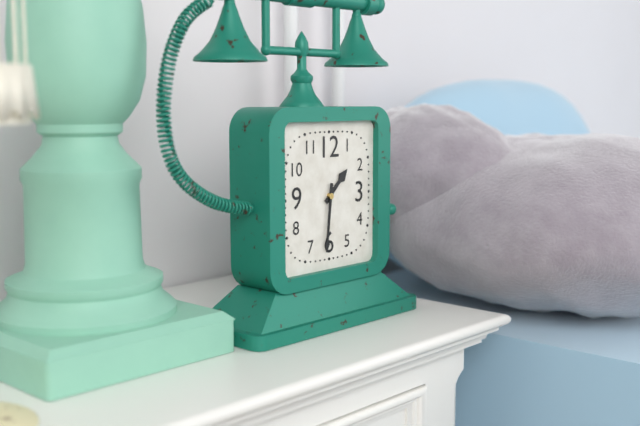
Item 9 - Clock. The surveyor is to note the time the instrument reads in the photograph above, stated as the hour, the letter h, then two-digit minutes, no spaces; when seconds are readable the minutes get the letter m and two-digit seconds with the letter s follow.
1h31
